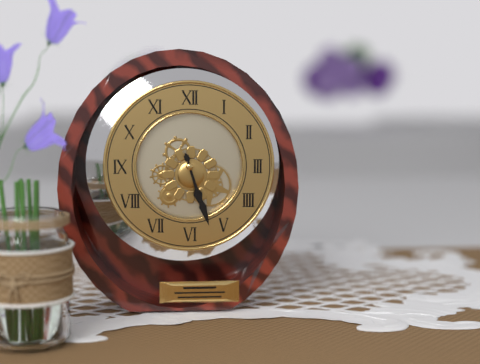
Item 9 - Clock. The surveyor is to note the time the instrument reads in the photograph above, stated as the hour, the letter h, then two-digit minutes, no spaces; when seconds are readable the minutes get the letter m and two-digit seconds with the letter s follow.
5h27
